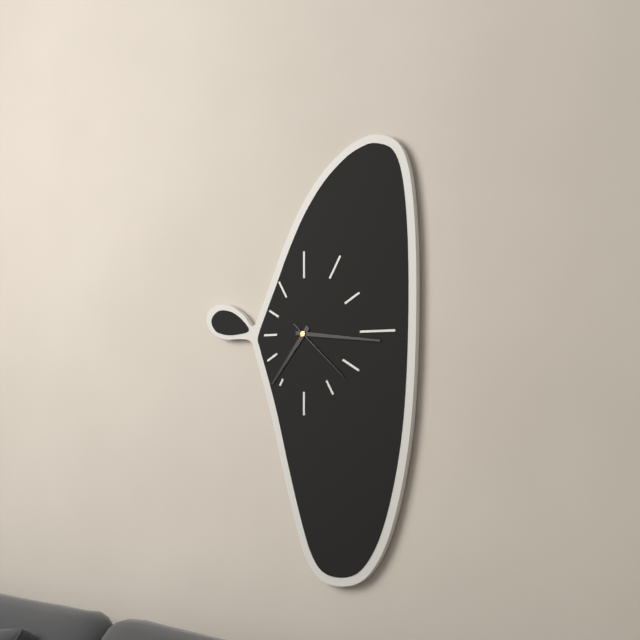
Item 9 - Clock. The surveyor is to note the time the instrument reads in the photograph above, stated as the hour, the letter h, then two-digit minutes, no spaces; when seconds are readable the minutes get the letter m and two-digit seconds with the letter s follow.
7h16m22s
